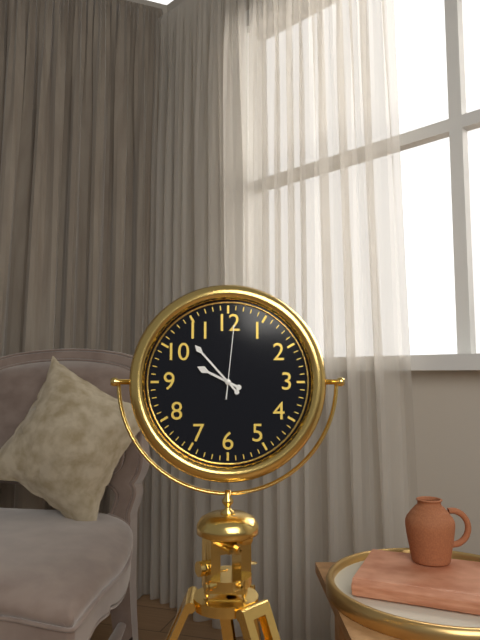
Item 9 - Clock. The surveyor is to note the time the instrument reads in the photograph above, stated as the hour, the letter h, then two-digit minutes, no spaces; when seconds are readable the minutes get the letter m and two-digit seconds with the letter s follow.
9h53m01s
